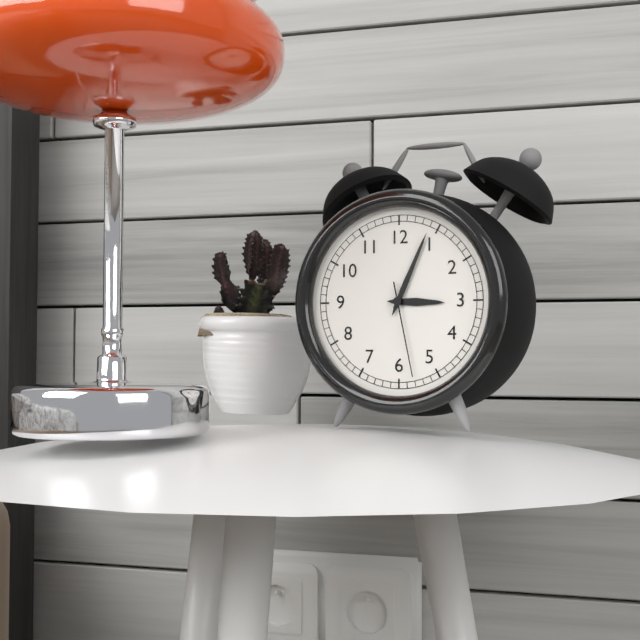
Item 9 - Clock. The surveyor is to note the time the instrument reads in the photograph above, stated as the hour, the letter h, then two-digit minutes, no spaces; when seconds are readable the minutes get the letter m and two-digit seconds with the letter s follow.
3h04m28s
